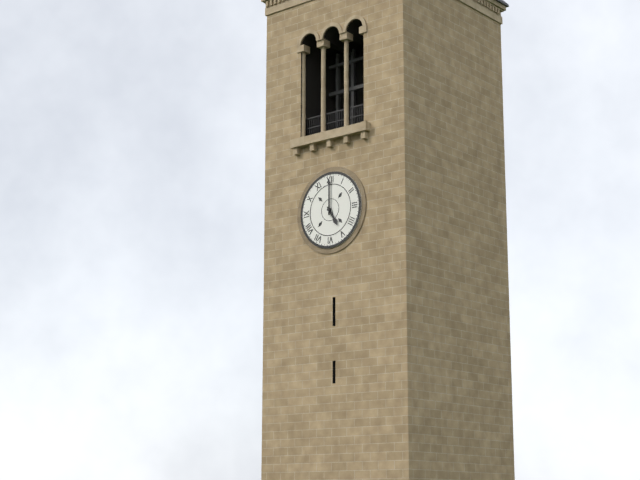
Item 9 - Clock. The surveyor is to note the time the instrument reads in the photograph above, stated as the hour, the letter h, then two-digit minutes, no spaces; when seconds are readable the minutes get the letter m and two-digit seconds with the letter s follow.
5h00
